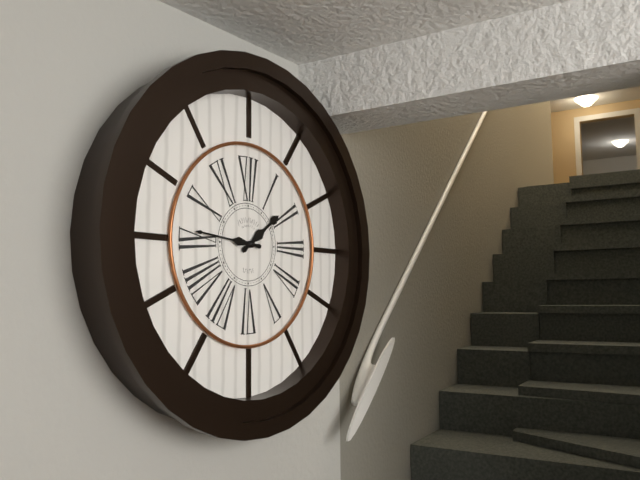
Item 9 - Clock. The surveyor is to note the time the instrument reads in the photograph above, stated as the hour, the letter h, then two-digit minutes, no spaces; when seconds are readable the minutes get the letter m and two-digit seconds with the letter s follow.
1h46
